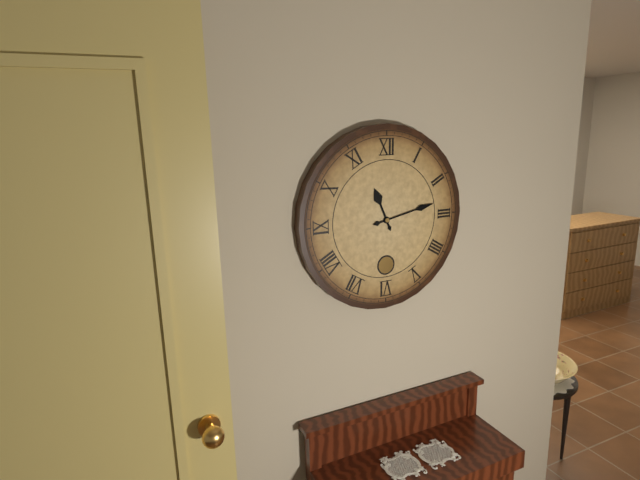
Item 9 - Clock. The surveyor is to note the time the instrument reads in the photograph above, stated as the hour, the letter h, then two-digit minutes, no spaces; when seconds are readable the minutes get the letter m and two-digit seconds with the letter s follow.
11h13
